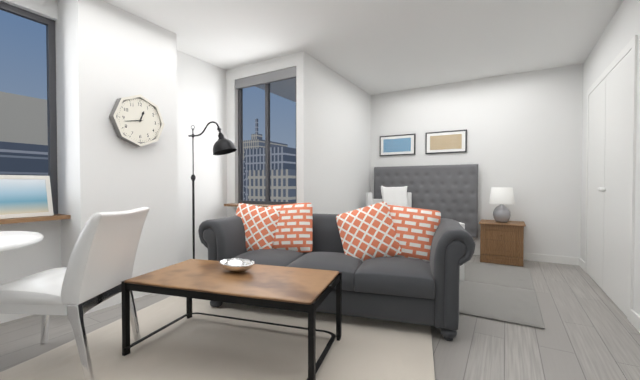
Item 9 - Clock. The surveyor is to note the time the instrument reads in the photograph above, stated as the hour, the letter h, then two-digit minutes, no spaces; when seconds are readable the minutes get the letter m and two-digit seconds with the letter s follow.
12h43
